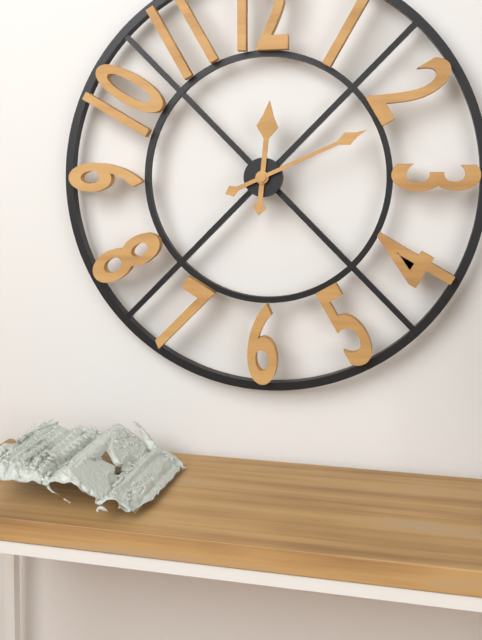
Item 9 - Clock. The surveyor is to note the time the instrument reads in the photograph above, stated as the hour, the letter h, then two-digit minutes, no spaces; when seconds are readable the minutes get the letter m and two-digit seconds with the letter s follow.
12h11
